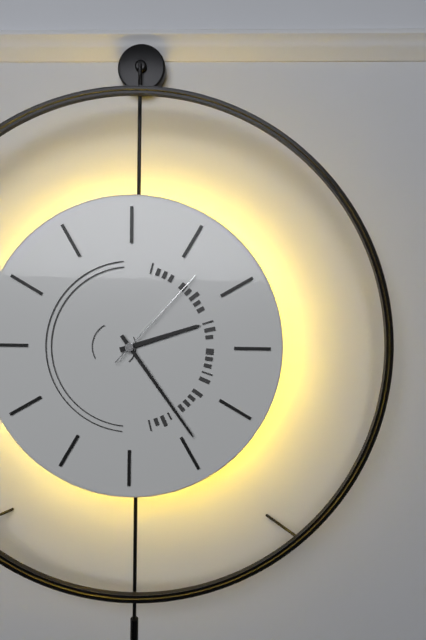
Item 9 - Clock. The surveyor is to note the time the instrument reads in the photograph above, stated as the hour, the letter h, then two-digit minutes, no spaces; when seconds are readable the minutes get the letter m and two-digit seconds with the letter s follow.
2h24m07s
